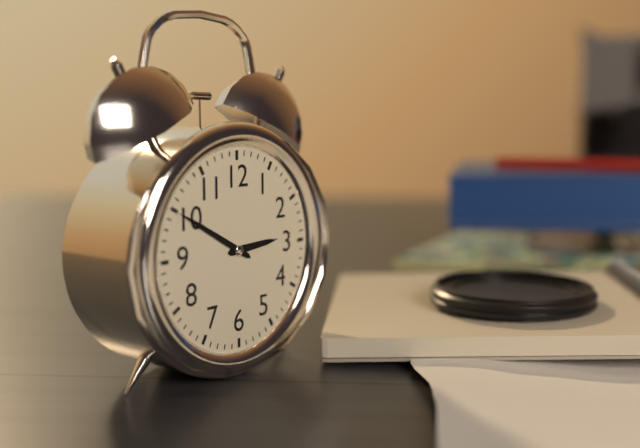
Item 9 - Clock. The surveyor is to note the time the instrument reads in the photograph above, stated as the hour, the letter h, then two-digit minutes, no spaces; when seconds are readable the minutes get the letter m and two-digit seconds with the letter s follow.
2h50
